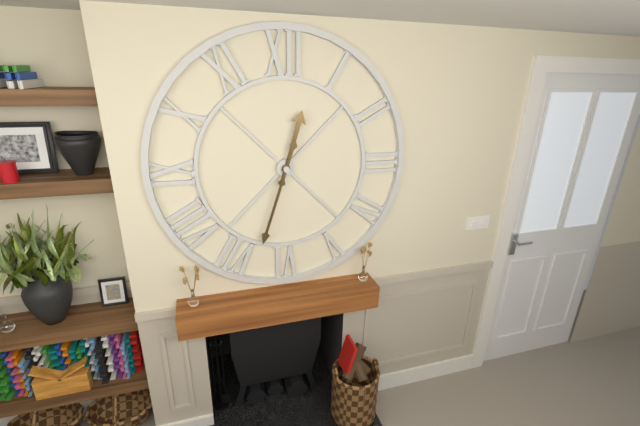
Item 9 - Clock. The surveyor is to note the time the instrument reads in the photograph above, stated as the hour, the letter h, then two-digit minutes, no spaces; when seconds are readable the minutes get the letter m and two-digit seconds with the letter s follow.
12h33
